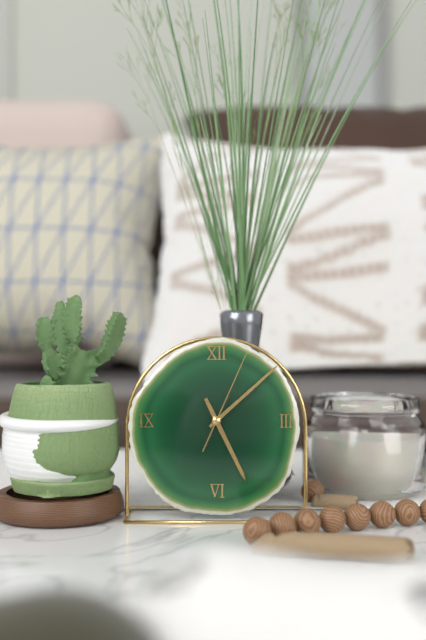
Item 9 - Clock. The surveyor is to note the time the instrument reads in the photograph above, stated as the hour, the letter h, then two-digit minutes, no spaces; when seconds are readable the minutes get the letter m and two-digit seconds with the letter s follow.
5h08m04s
